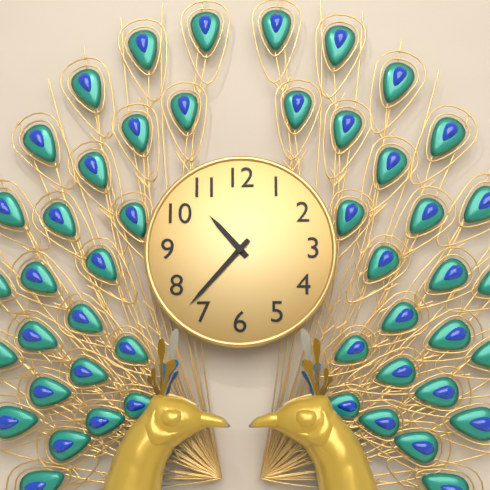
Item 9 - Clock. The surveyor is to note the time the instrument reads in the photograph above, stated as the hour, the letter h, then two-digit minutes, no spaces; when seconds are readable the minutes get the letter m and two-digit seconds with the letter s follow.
10h37
